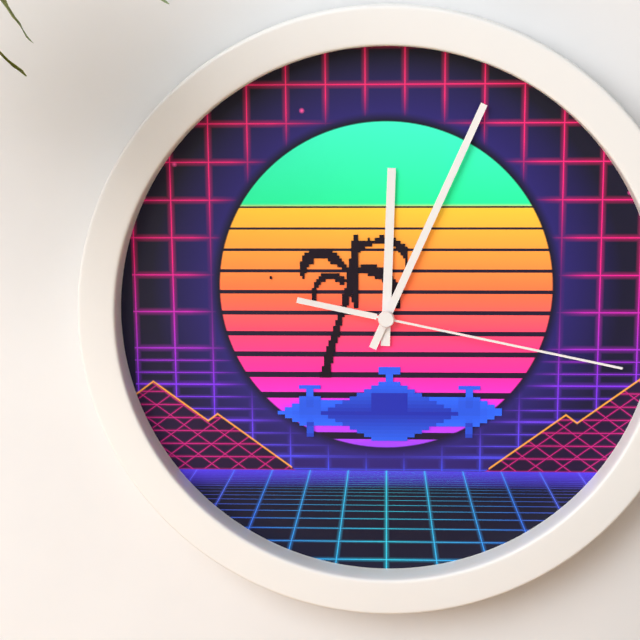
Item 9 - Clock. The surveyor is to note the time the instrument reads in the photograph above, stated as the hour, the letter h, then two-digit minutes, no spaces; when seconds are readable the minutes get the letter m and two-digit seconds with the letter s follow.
12h04m17s
